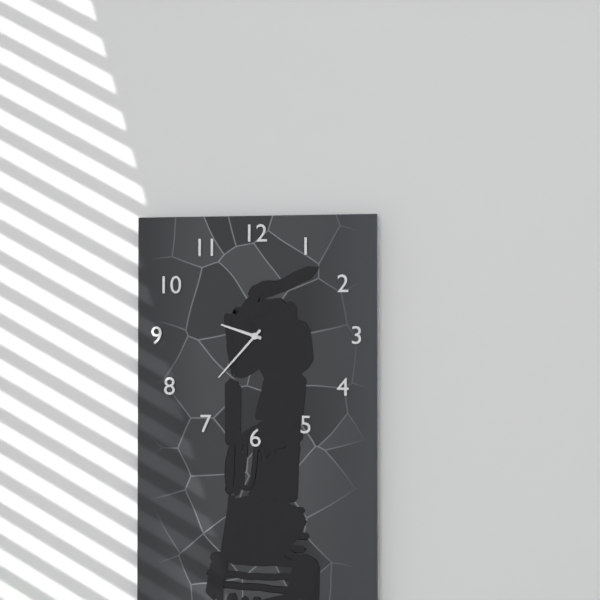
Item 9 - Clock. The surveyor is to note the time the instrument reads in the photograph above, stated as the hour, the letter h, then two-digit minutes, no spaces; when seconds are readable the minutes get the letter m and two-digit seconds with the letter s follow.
9h37
